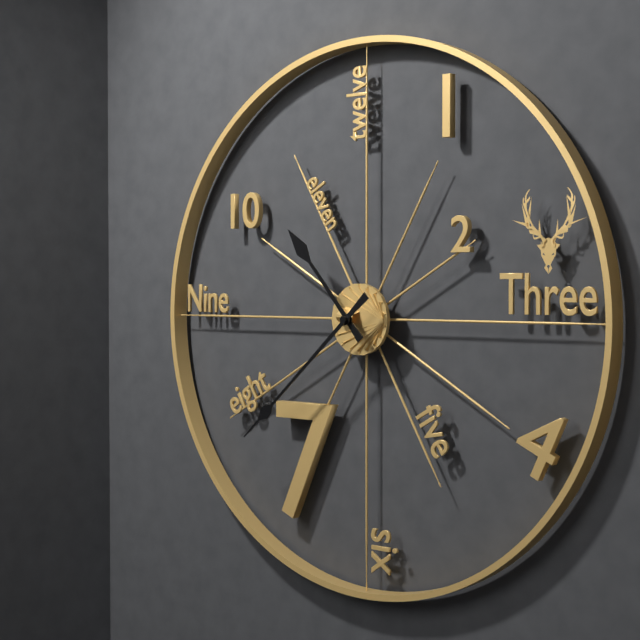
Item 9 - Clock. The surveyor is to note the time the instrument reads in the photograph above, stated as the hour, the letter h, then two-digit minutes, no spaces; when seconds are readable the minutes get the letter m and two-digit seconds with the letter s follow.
10h38
